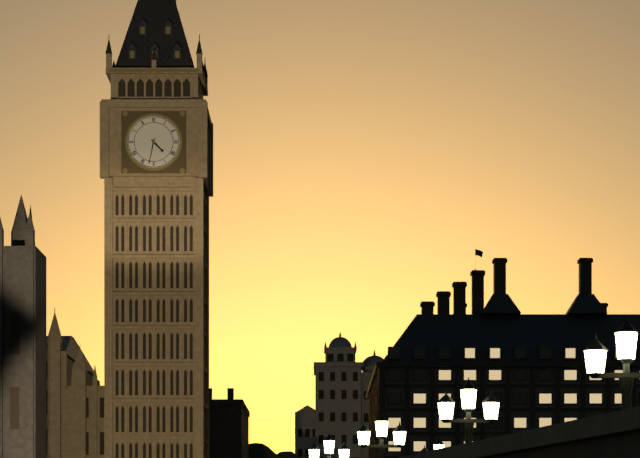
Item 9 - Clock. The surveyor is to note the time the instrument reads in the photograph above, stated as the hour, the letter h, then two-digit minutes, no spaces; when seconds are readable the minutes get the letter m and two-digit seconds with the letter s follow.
4h32
